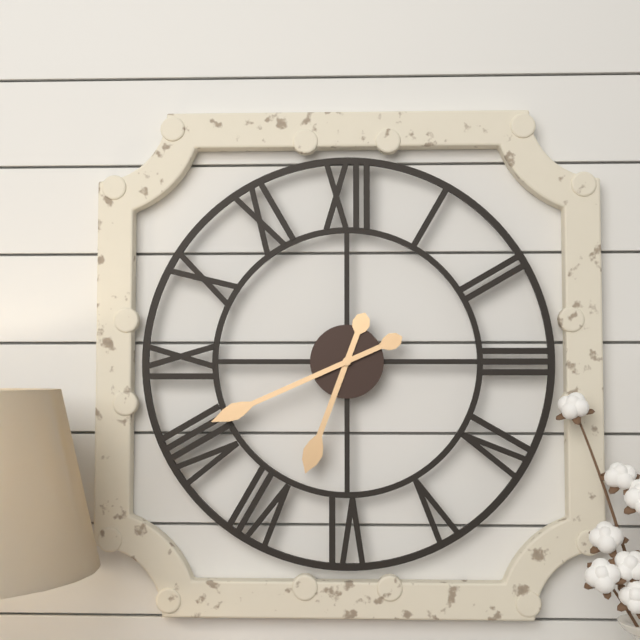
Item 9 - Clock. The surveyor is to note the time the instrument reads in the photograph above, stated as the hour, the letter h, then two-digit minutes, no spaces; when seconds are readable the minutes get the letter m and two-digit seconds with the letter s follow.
6h41
